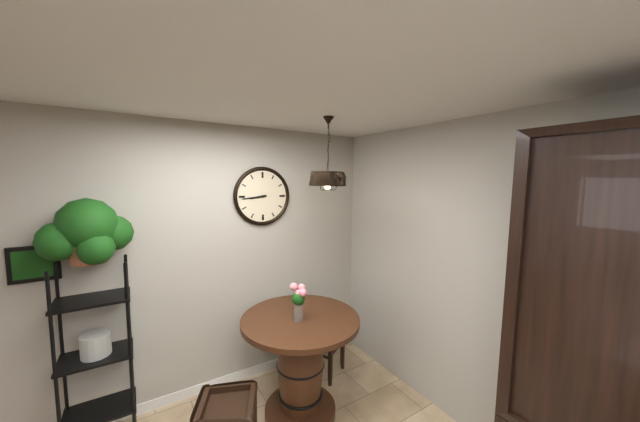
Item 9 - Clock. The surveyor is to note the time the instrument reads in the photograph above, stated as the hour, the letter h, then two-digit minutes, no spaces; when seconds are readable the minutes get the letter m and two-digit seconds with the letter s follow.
8h44
